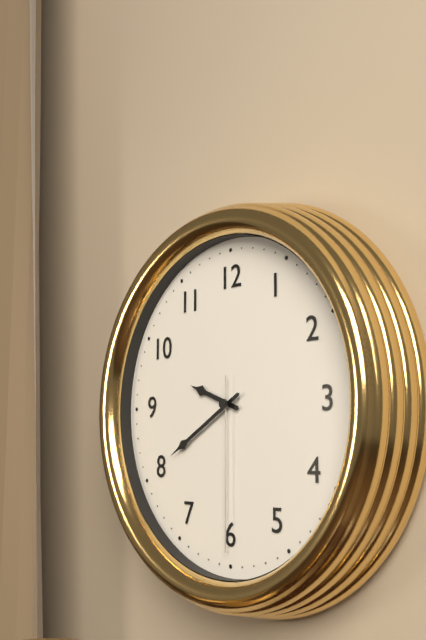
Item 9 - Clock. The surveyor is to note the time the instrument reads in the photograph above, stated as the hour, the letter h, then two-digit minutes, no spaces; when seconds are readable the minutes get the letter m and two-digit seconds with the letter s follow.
9h40m30s
